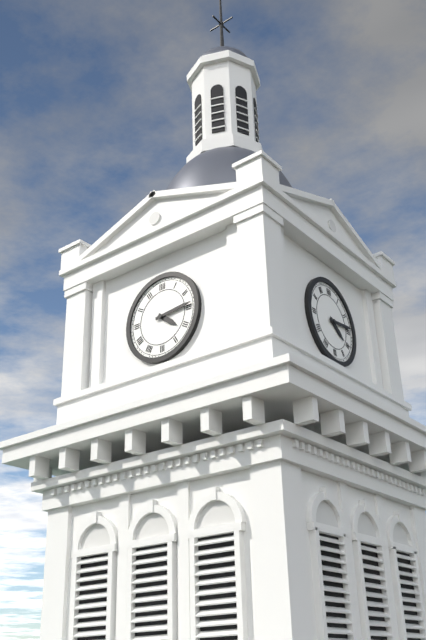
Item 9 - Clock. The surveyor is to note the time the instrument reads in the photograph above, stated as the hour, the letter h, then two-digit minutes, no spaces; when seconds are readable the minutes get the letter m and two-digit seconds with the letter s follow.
4h14
